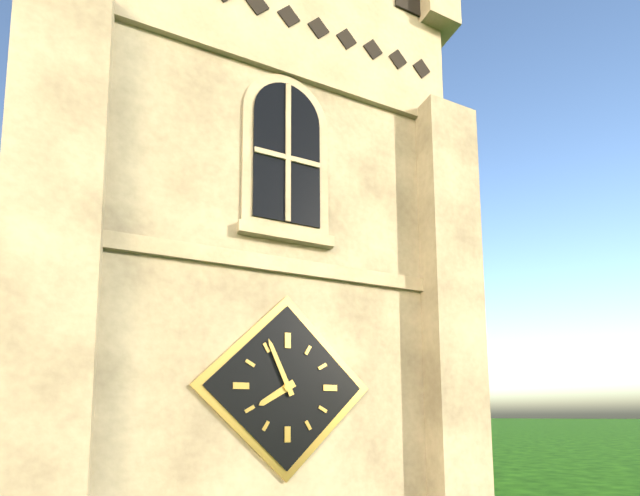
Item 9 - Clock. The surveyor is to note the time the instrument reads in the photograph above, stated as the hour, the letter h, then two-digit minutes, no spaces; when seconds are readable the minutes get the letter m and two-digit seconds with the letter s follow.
7h56
